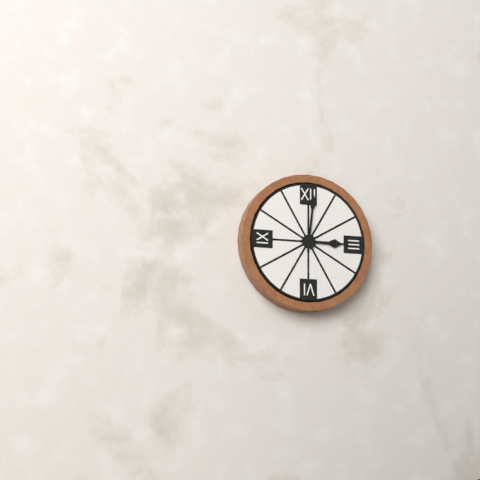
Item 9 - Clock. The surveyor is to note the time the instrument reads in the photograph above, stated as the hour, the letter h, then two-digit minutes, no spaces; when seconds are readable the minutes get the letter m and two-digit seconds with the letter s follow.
3h01
